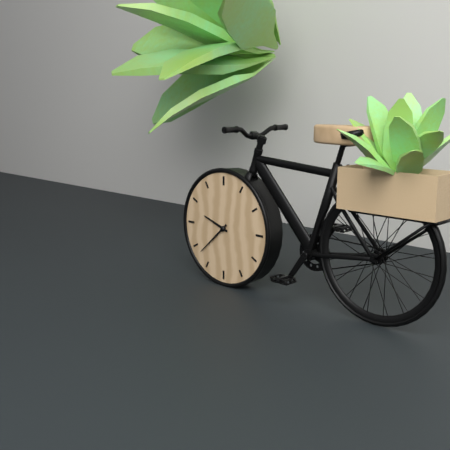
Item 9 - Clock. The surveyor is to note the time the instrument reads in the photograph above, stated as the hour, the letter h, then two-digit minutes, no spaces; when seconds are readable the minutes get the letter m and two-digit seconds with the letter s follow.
9h38
